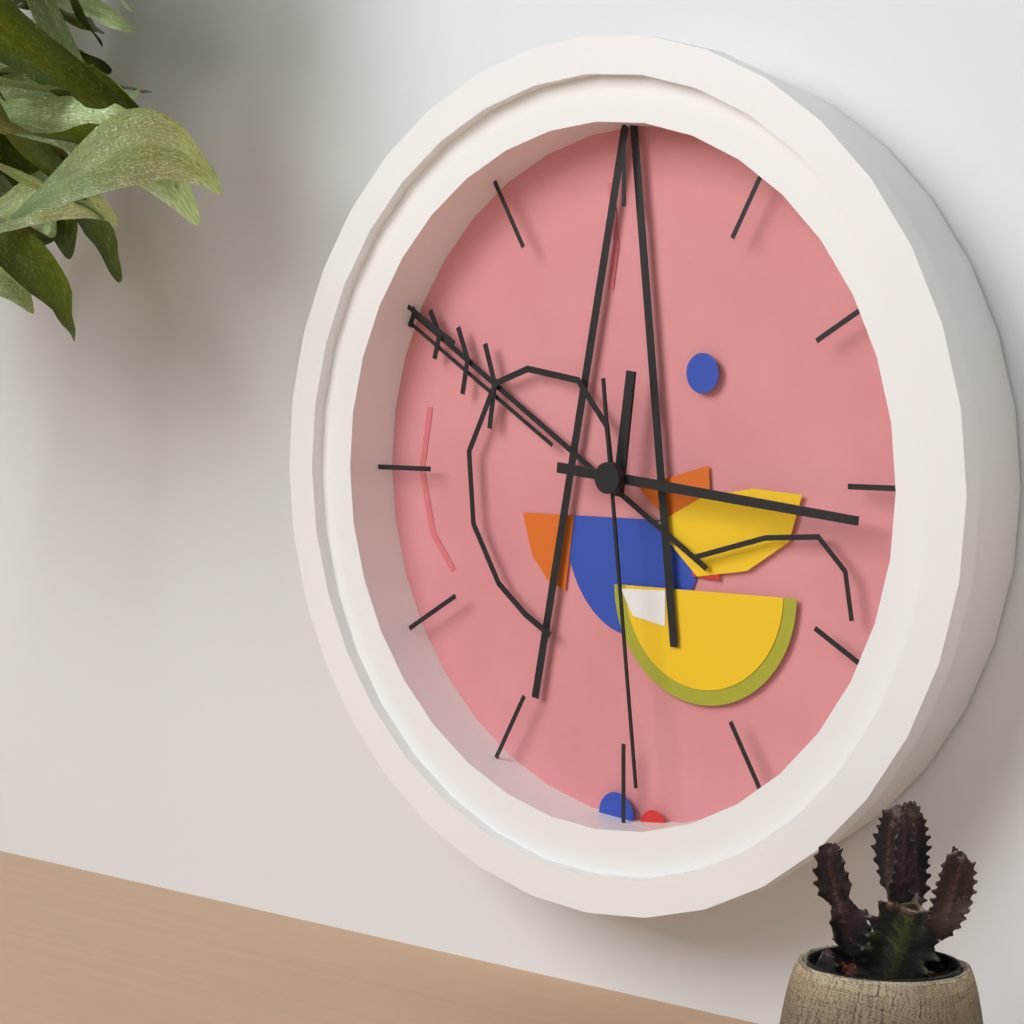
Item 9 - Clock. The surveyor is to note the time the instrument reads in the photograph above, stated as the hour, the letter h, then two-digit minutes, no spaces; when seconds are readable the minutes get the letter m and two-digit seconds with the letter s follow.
12h16m29s
